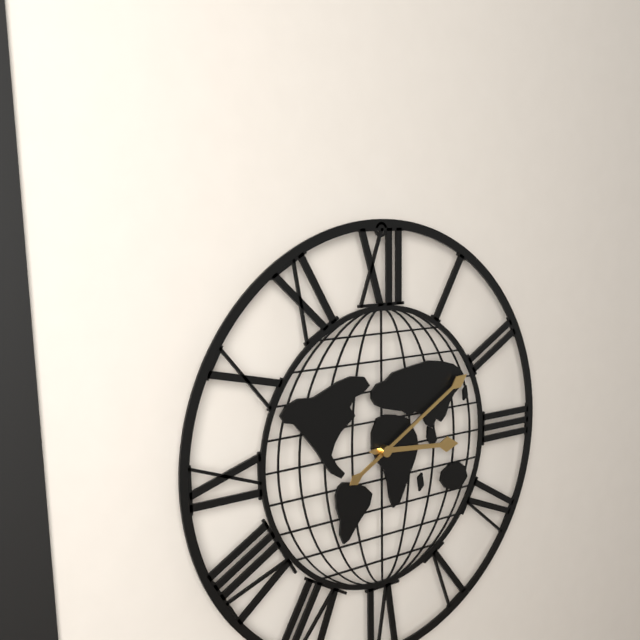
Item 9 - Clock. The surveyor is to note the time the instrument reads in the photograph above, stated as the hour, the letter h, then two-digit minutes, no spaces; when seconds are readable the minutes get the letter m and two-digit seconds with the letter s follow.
3h10
